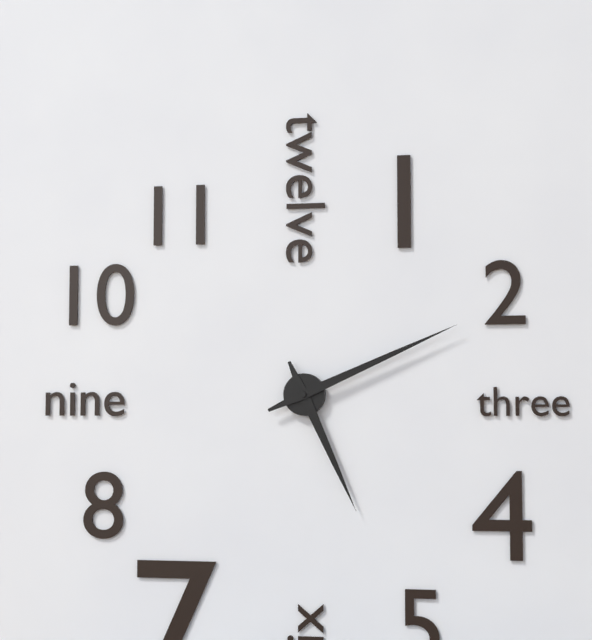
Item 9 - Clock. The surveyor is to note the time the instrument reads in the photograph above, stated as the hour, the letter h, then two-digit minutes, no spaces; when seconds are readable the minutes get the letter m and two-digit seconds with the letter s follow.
5h11
